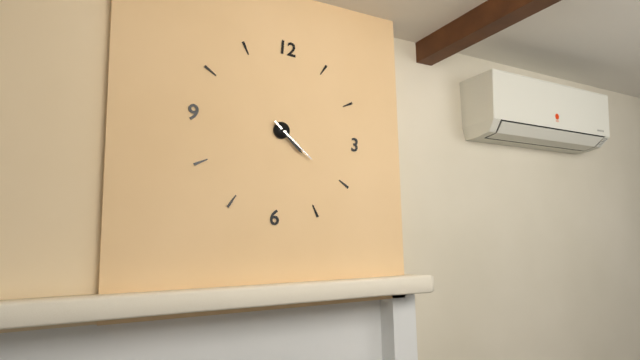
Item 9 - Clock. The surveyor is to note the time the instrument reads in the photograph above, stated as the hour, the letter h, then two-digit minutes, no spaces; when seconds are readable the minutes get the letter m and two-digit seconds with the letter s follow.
4h21
